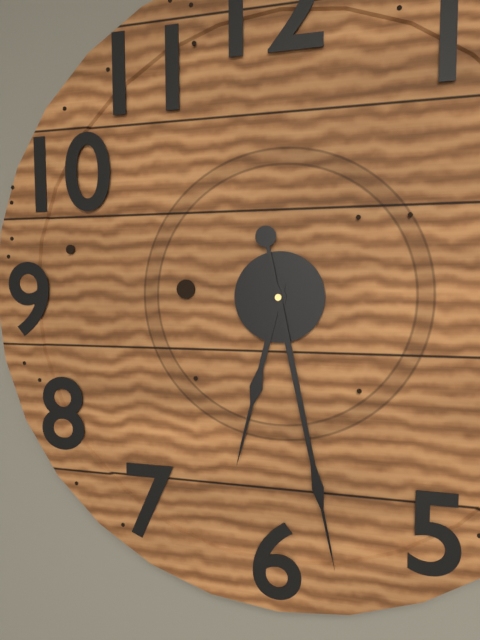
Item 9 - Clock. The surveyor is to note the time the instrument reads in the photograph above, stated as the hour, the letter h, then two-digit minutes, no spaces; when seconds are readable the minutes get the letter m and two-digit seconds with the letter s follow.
6h28
